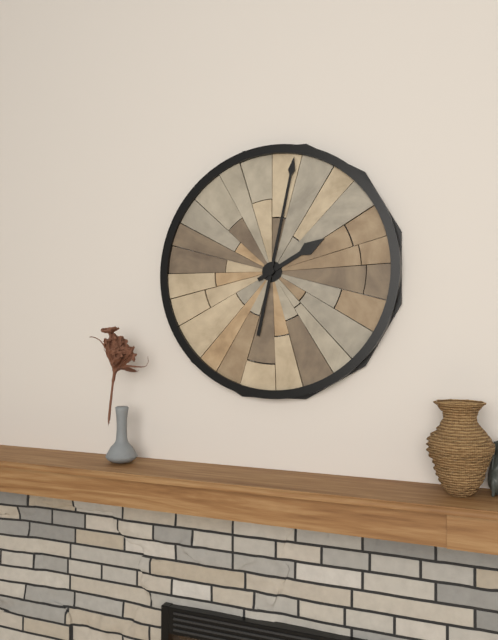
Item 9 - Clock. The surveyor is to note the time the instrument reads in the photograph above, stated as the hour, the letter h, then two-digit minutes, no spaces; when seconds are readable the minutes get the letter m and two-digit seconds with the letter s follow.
2h02
